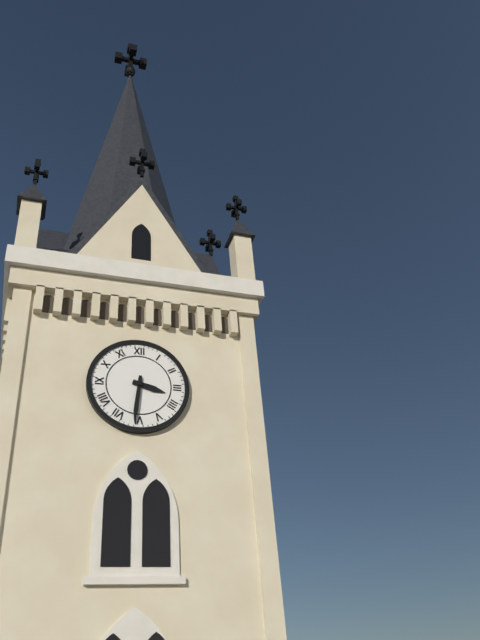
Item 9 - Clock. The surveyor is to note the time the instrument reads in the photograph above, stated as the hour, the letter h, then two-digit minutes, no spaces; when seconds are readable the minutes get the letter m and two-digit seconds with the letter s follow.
3h31
